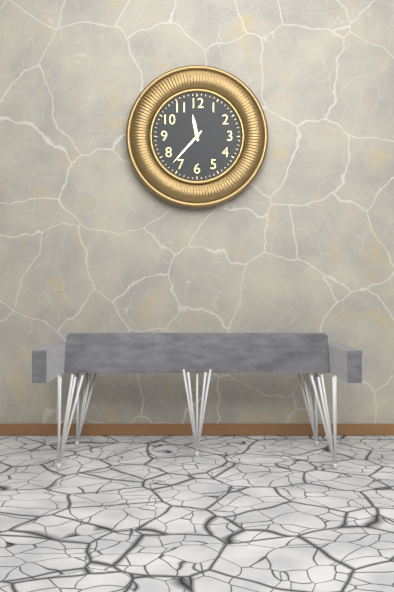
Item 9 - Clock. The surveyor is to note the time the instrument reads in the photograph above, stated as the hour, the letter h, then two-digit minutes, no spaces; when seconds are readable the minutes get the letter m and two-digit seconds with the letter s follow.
11h37
